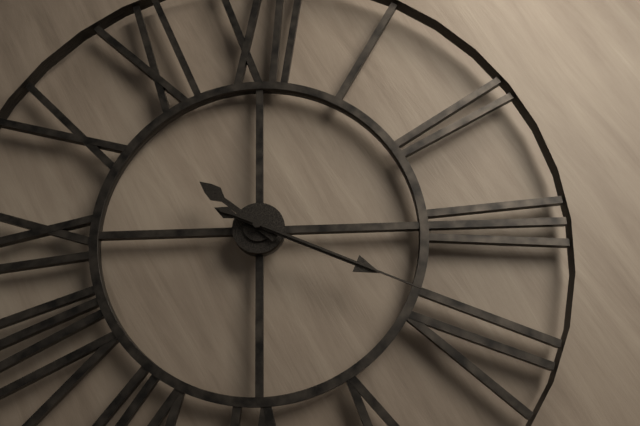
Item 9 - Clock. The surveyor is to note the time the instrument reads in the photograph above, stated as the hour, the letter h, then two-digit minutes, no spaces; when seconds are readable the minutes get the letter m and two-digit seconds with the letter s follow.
10h19m19s
